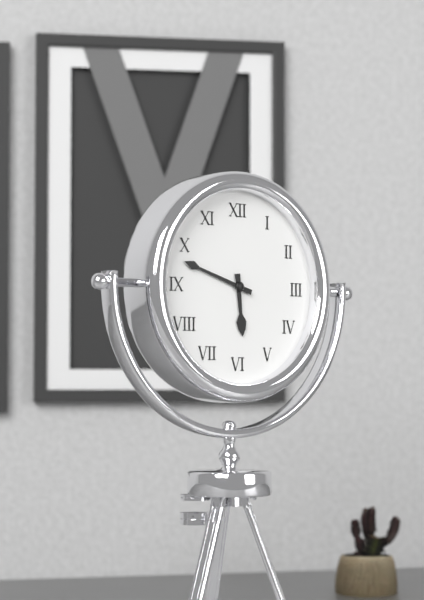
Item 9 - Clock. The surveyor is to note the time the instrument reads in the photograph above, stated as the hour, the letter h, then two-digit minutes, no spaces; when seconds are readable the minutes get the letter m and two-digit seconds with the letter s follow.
5h48
